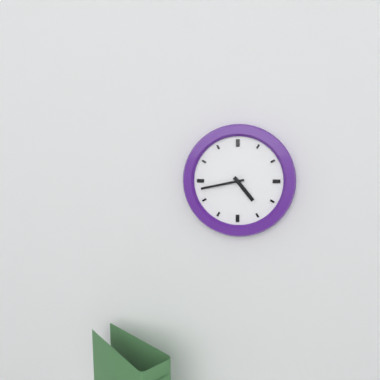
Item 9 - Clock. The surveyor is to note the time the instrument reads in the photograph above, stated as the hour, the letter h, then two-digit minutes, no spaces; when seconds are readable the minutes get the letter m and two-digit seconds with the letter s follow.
4h43
